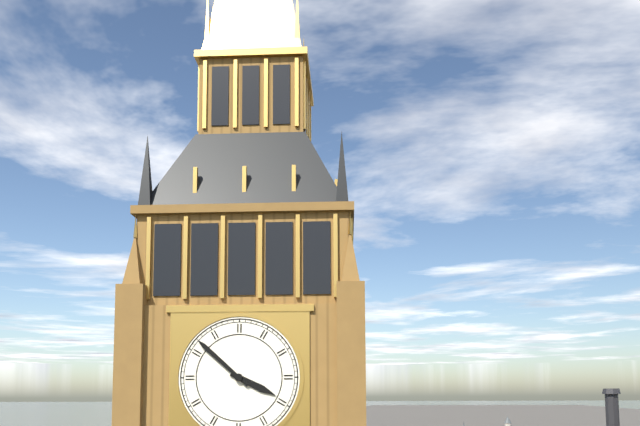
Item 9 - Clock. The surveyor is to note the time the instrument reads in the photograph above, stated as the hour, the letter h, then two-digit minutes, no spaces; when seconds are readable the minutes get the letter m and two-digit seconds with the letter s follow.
3h52
